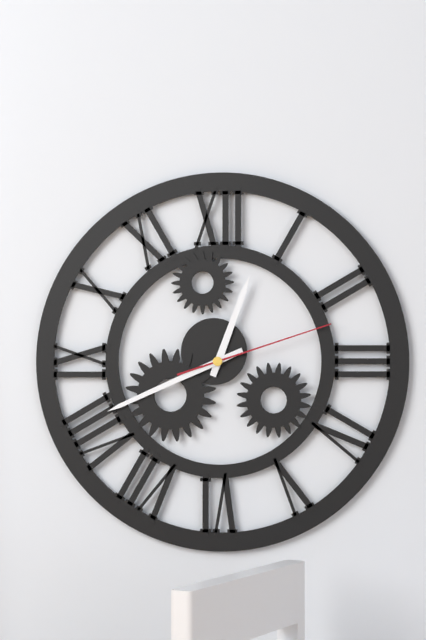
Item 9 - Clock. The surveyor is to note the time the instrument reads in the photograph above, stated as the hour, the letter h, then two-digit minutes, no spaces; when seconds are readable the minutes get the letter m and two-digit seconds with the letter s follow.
12h41m12s
